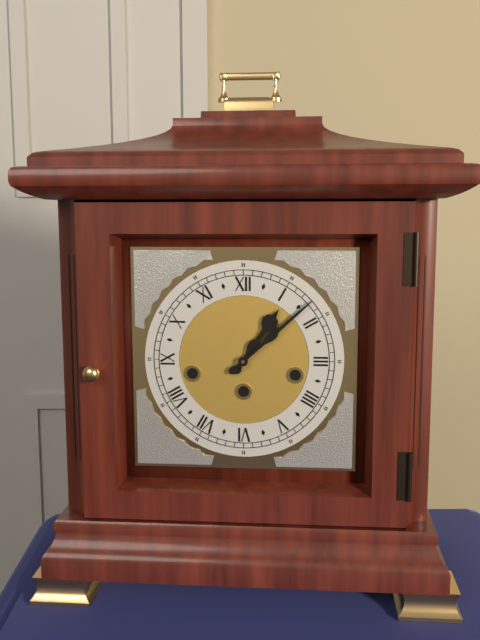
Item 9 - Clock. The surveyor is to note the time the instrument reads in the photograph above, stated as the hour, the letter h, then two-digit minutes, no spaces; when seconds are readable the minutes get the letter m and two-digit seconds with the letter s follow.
1h08
